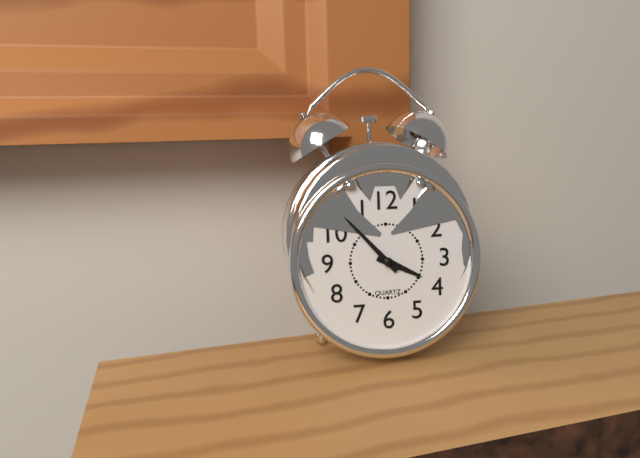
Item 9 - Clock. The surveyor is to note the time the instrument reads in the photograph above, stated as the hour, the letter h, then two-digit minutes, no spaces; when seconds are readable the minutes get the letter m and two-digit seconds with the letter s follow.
3h53
